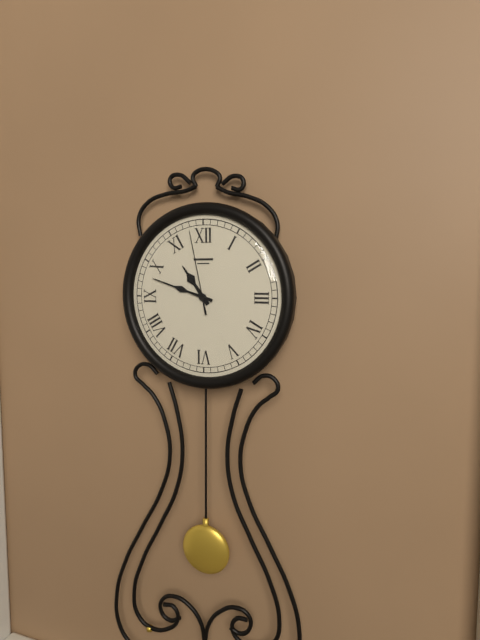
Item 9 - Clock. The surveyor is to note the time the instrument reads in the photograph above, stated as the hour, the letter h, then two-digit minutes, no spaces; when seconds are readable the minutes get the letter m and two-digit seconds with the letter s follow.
10h48m58s
